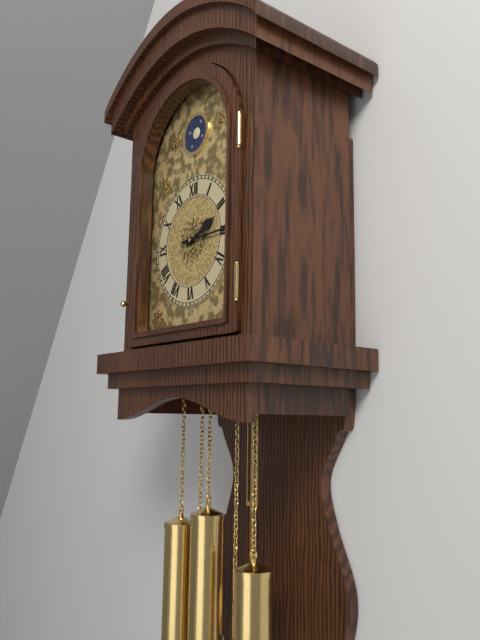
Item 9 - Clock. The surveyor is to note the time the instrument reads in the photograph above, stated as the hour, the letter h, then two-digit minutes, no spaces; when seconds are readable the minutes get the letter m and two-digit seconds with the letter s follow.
2h15
